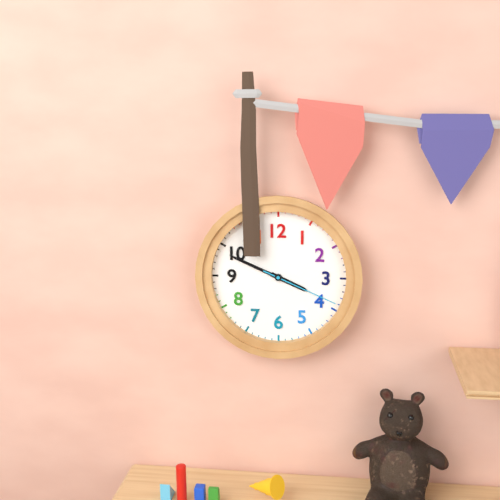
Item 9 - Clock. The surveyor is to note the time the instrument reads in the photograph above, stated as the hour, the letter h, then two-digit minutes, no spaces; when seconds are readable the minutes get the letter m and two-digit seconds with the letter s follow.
3h49m19s
